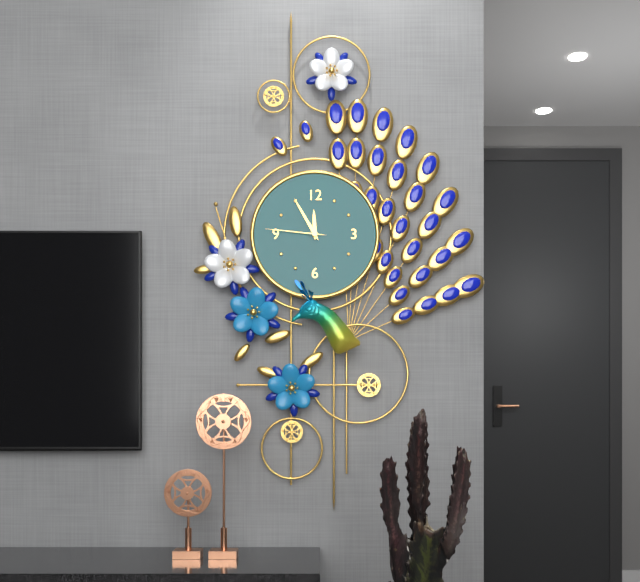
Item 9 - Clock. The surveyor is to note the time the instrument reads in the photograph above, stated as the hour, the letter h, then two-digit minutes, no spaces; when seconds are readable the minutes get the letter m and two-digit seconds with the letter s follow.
11h55m46s
